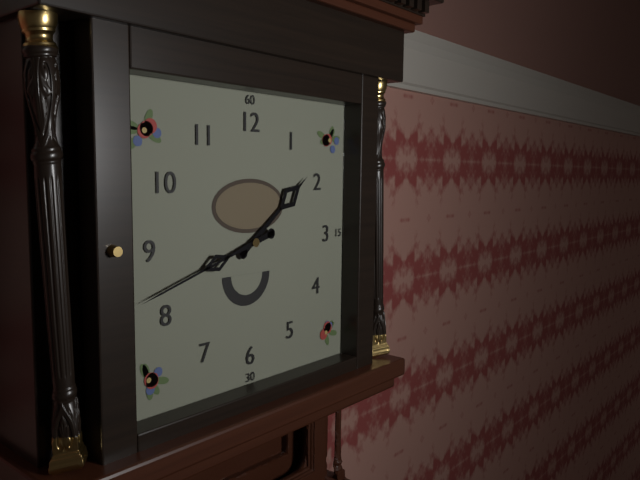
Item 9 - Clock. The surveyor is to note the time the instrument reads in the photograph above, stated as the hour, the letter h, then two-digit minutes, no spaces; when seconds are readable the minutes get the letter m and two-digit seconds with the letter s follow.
1h42
